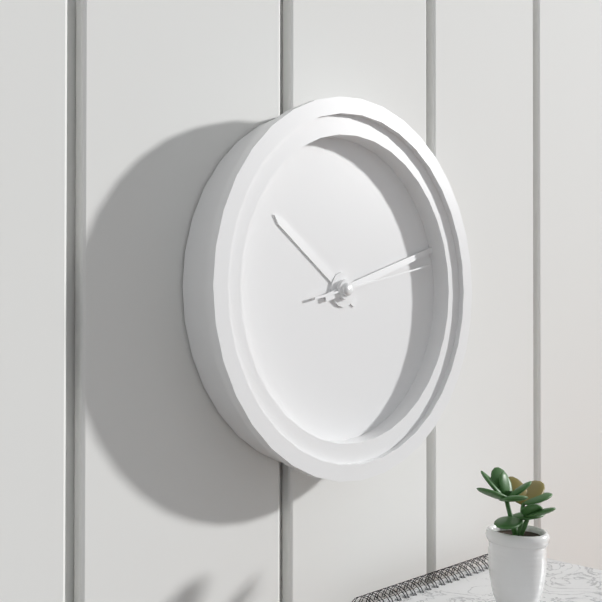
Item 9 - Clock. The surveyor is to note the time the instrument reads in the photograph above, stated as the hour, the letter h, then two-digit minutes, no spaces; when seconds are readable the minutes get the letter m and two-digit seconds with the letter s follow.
10h12m13s
